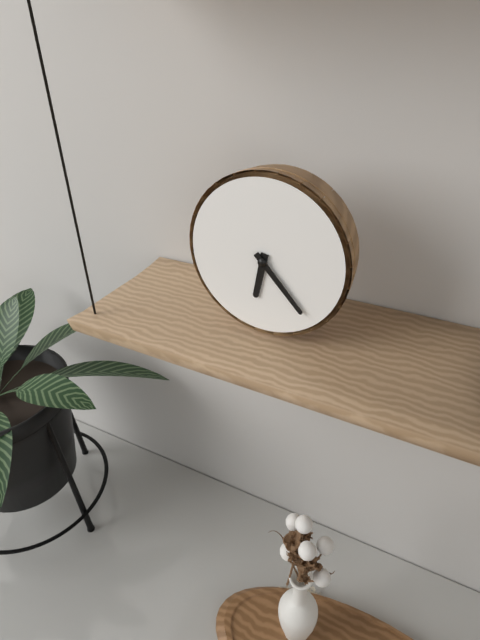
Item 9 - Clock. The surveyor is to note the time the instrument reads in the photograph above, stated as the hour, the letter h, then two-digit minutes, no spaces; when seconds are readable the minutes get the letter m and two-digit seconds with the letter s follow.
6h23
